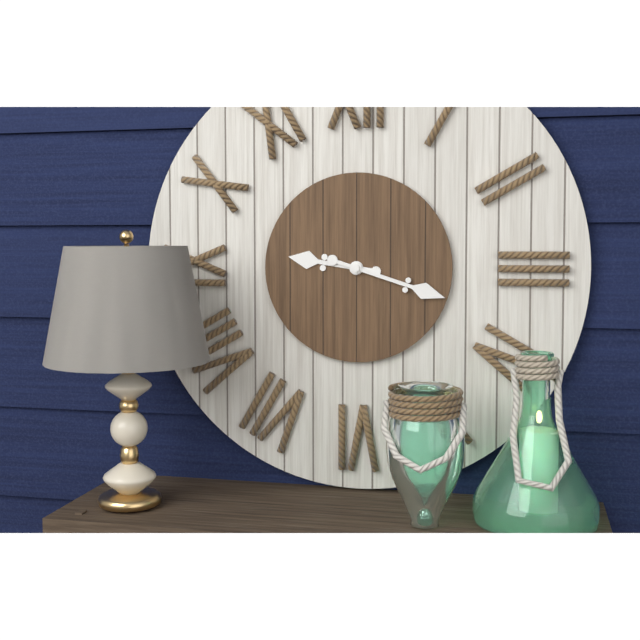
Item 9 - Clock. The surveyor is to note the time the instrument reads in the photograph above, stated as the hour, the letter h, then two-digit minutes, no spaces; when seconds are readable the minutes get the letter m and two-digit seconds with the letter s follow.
9h18
